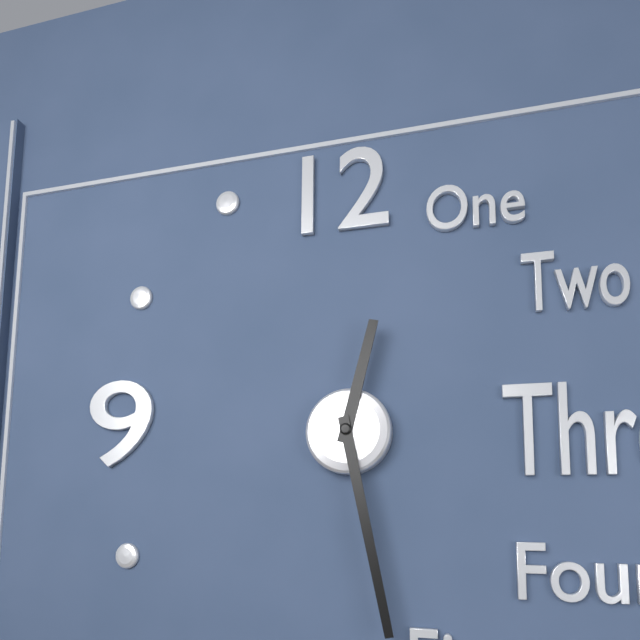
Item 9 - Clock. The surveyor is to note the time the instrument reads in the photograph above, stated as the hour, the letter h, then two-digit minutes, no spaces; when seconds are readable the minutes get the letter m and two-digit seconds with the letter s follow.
12h28
